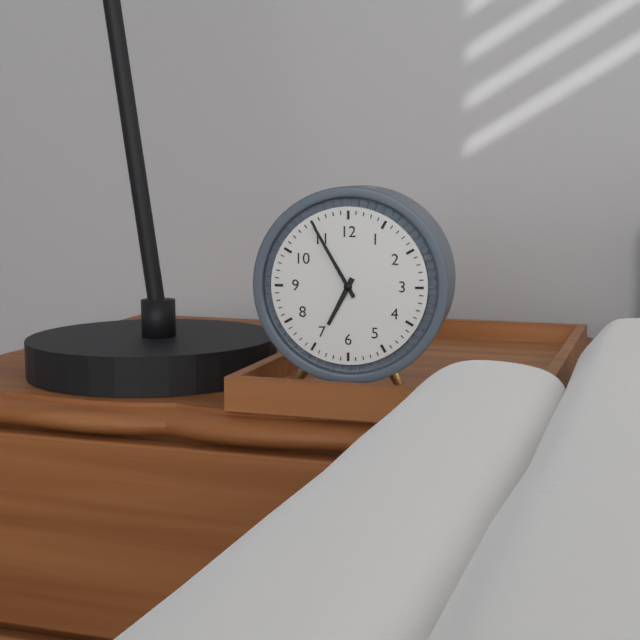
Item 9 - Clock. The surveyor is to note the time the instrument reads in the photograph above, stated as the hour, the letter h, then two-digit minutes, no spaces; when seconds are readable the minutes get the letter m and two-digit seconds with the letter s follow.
6h55
